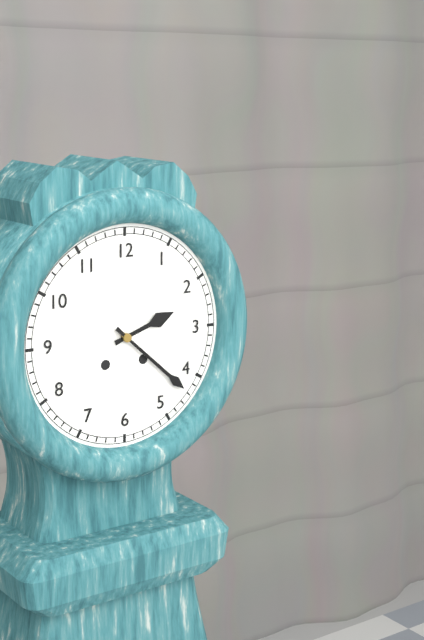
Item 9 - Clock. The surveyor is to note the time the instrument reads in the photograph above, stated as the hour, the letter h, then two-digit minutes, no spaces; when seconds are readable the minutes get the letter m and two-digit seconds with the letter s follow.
2h22
